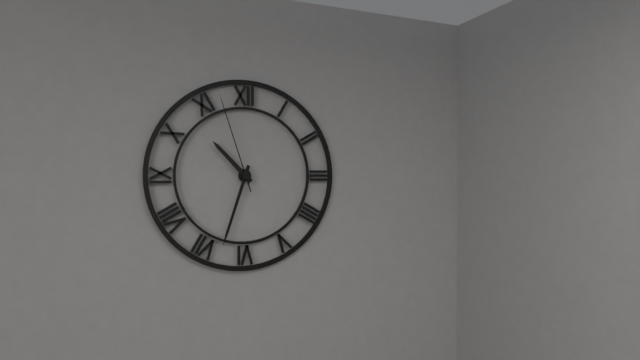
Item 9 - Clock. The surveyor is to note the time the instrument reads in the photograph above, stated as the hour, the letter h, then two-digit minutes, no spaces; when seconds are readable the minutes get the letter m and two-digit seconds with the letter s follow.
10h33m57s
